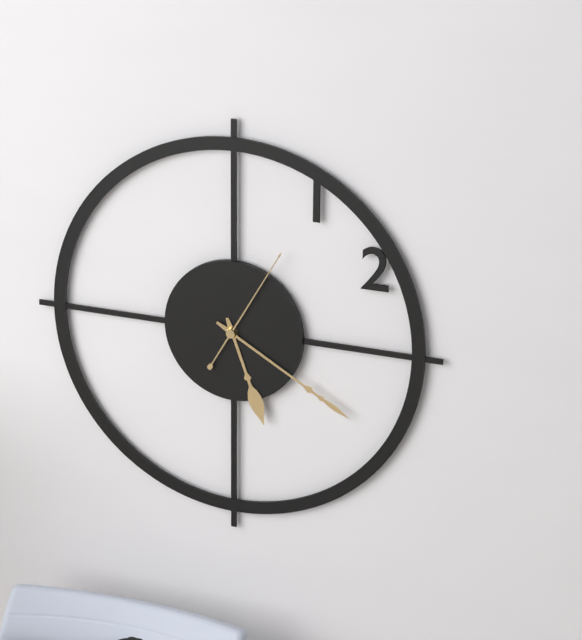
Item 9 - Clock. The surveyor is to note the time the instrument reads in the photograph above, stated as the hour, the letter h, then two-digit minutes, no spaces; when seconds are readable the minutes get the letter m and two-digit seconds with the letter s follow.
5h20m05s
